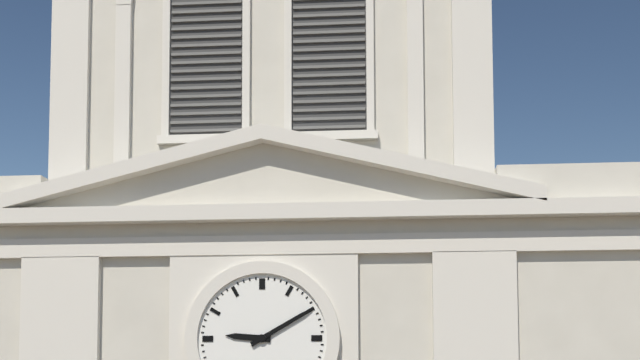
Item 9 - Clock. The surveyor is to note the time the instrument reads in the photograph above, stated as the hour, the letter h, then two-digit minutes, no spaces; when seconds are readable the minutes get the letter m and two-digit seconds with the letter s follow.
9h10
